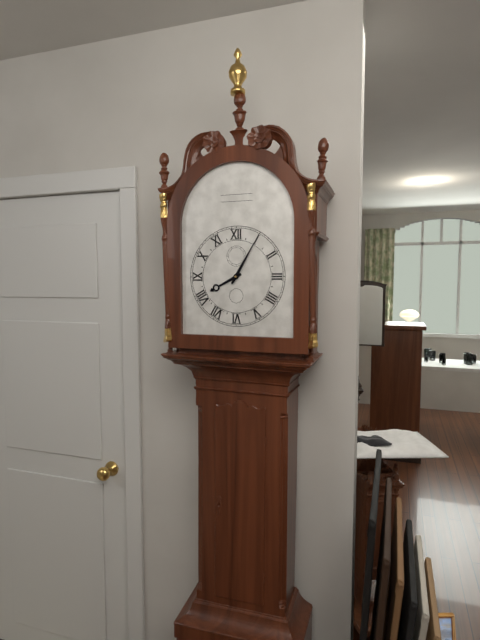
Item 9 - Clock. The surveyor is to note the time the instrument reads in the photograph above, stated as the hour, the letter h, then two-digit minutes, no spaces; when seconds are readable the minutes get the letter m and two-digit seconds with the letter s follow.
8h05
